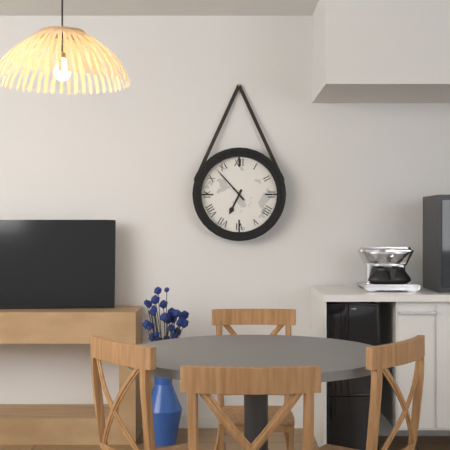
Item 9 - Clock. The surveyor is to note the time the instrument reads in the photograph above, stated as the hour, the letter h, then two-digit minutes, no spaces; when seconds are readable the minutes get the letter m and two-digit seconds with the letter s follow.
6h53
